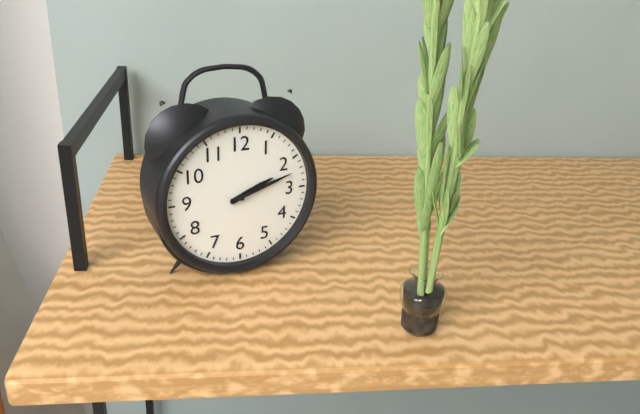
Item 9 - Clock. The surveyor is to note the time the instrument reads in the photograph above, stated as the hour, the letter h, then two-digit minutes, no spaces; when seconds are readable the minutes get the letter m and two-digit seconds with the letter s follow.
2h12
